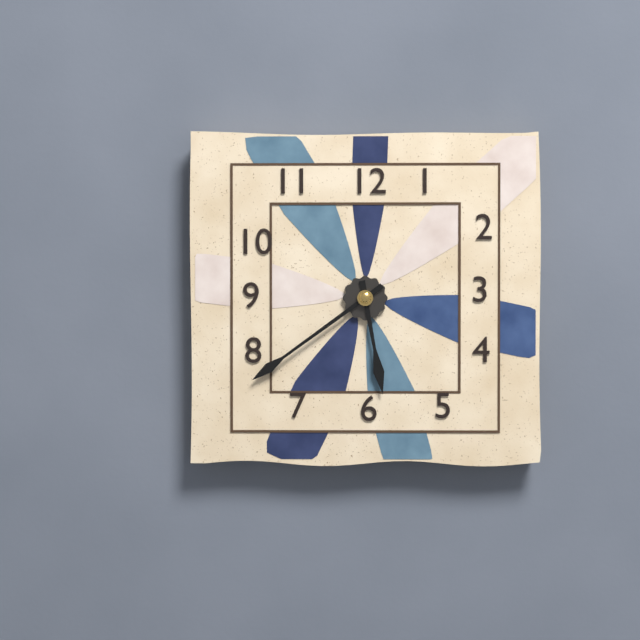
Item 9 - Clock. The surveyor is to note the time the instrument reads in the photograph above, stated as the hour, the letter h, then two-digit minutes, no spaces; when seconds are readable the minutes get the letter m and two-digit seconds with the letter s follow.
5h39
